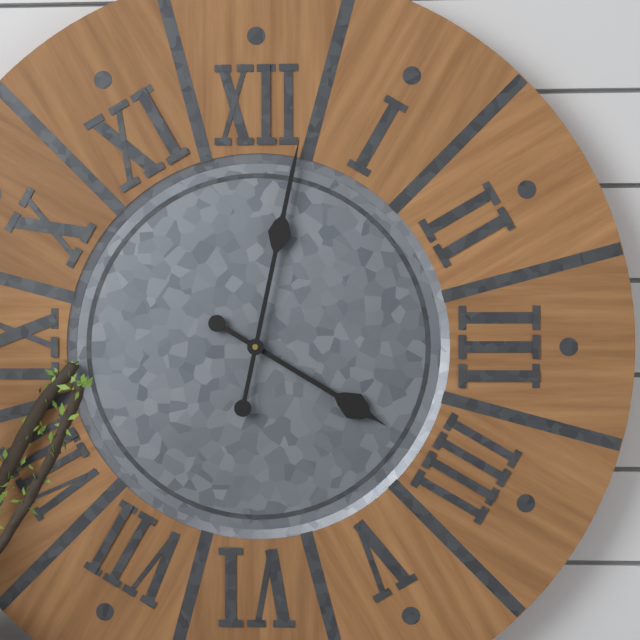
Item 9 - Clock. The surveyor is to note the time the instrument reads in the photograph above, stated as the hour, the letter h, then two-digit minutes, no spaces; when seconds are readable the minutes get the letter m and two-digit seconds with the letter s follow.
4h02
